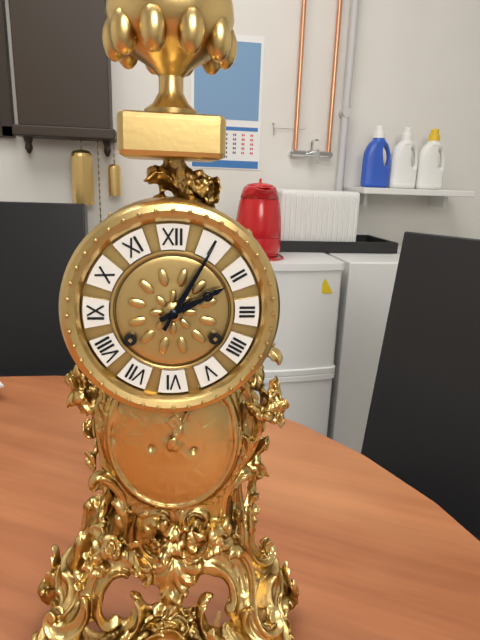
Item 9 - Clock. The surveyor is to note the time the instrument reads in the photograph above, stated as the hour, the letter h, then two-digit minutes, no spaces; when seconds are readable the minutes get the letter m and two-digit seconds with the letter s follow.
2h05
